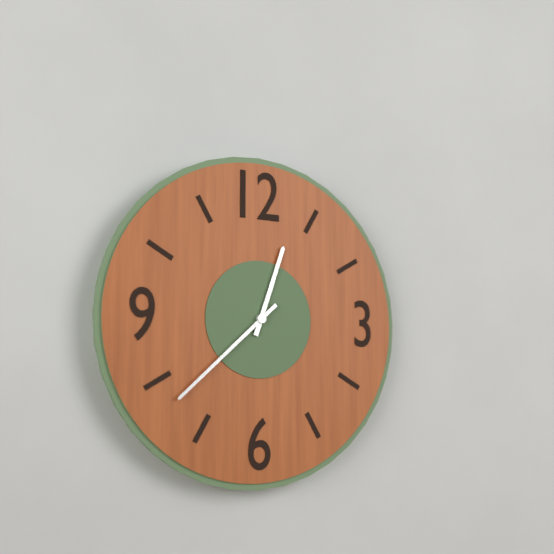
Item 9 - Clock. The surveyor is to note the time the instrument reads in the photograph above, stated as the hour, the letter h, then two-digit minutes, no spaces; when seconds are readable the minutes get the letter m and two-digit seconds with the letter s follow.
12h38
